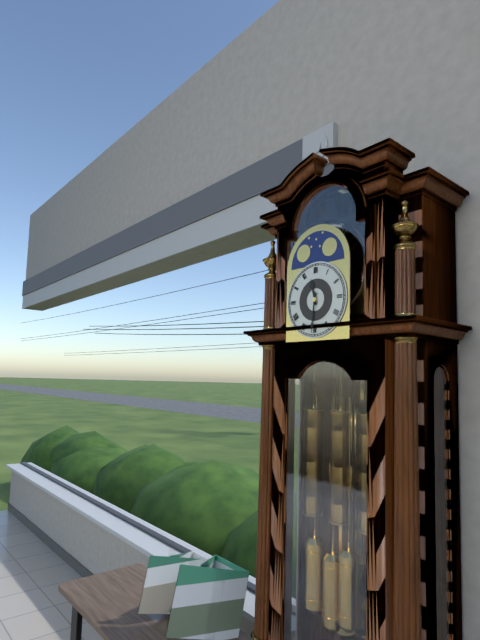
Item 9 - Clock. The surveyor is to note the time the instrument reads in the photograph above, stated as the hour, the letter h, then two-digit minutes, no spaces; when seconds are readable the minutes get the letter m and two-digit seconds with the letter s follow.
11h31
